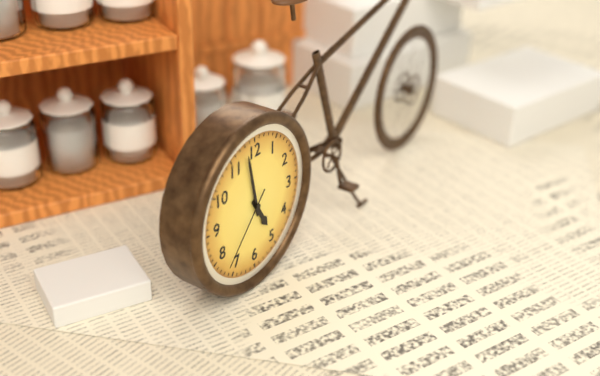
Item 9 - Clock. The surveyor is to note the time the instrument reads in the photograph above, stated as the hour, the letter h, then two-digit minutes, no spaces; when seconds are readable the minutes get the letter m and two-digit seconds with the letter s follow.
4h58m37s
